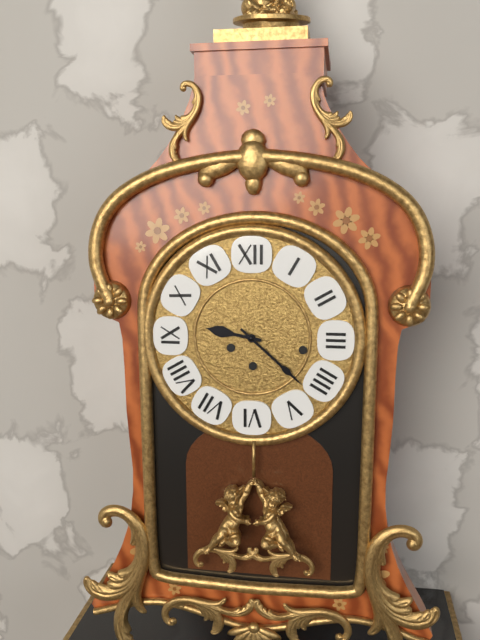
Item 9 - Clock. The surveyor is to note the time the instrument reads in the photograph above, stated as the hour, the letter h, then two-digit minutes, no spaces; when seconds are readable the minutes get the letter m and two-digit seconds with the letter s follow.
9h22
